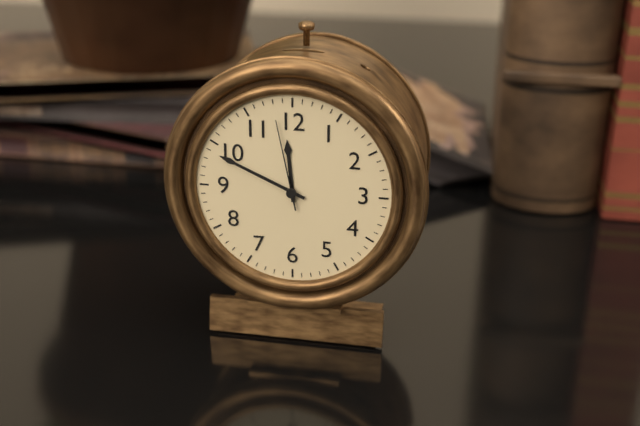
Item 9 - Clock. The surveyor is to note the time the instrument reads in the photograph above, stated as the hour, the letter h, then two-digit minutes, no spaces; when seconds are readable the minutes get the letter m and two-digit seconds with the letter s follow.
11h49m58s
